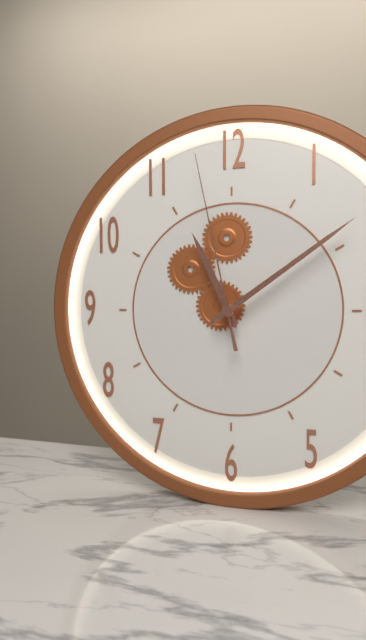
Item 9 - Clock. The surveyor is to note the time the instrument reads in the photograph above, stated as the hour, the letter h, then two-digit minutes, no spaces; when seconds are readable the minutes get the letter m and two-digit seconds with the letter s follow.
11h09m58s
